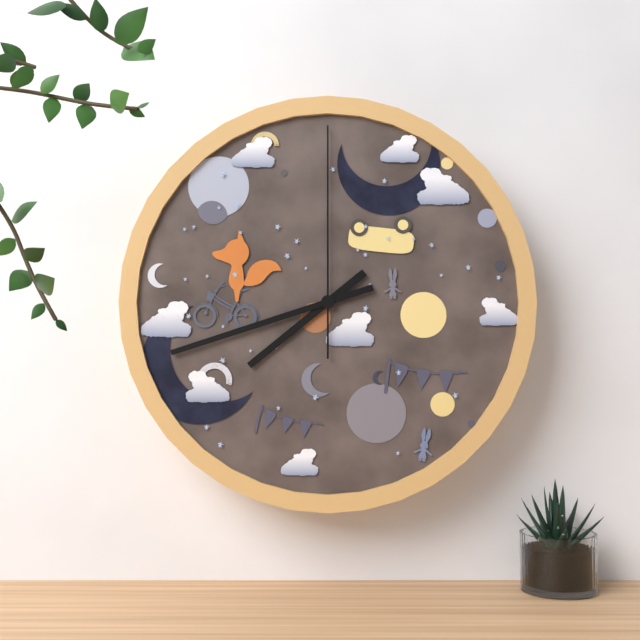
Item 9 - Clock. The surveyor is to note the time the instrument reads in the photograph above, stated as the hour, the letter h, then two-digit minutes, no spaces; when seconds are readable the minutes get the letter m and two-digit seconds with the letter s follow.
7h42m00s
